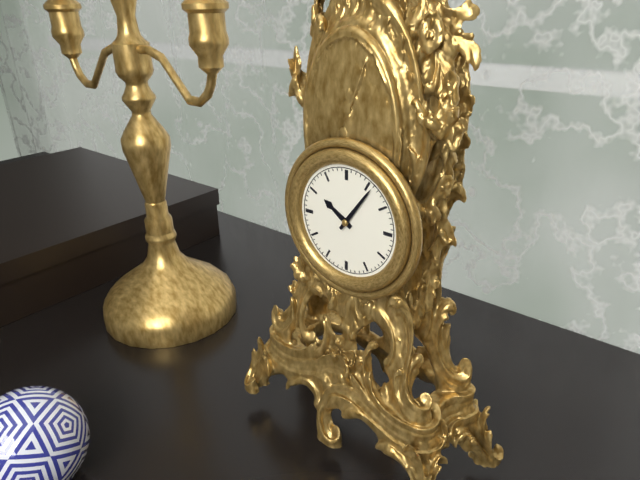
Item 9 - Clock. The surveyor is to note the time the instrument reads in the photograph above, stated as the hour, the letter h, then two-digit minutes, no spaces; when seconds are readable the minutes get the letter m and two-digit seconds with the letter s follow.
10h06
